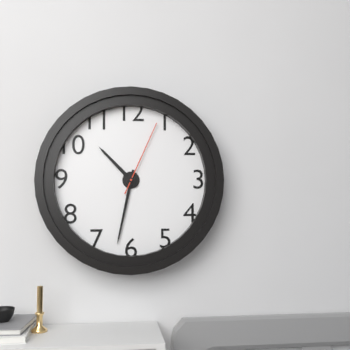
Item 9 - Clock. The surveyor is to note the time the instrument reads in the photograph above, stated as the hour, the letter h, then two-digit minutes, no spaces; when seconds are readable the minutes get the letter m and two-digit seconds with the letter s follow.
10h32m04s
